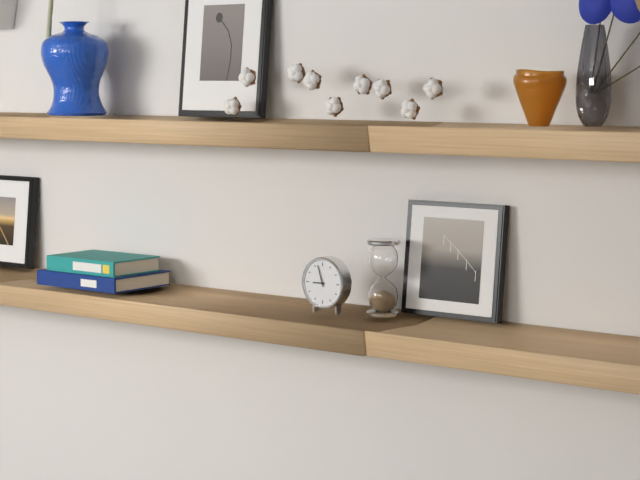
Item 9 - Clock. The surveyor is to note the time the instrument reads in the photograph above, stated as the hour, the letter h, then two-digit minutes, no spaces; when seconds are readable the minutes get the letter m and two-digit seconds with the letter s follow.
8h57
